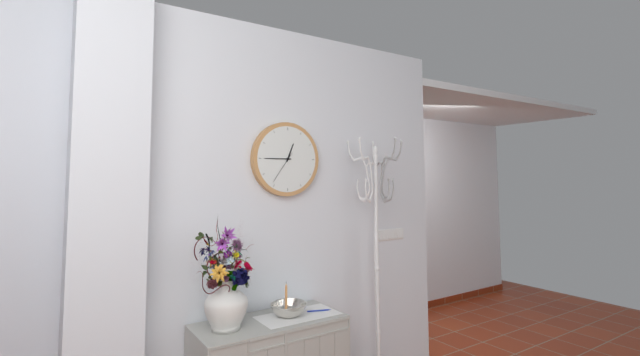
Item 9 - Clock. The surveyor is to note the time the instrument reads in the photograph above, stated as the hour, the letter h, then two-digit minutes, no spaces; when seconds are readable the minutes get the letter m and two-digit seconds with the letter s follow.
12h45
